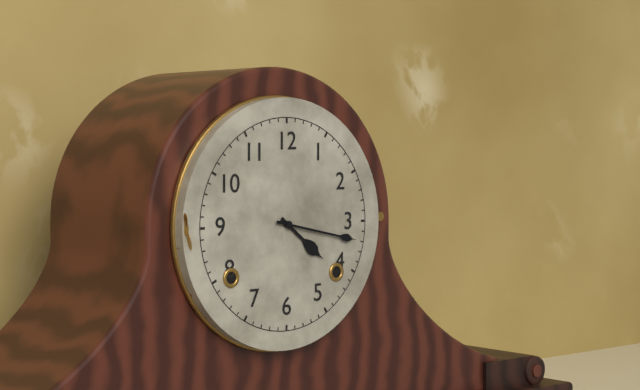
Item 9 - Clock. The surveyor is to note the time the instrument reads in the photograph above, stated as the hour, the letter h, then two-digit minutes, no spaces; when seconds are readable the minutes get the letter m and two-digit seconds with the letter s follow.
4h17
